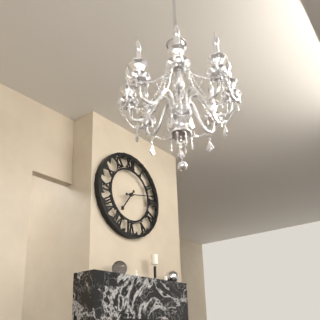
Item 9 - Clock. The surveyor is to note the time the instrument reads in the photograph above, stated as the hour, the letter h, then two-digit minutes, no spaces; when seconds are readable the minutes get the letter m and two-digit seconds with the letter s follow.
7h13
